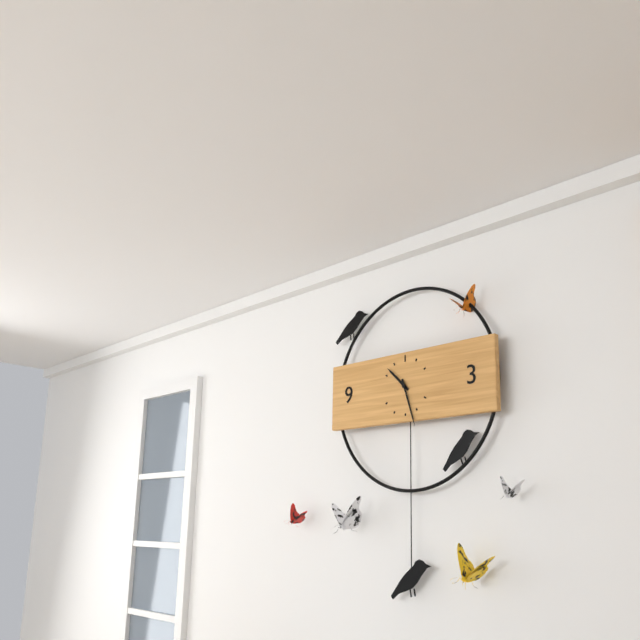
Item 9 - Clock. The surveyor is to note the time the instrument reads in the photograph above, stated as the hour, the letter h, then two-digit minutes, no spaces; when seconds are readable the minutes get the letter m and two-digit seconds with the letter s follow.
10h27
